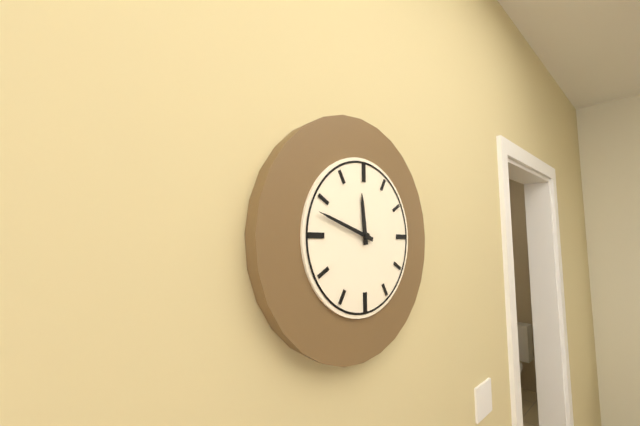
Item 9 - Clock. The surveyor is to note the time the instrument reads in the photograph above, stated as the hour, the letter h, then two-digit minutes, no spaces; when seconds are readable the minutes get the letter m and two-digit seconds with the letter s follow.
11h48
